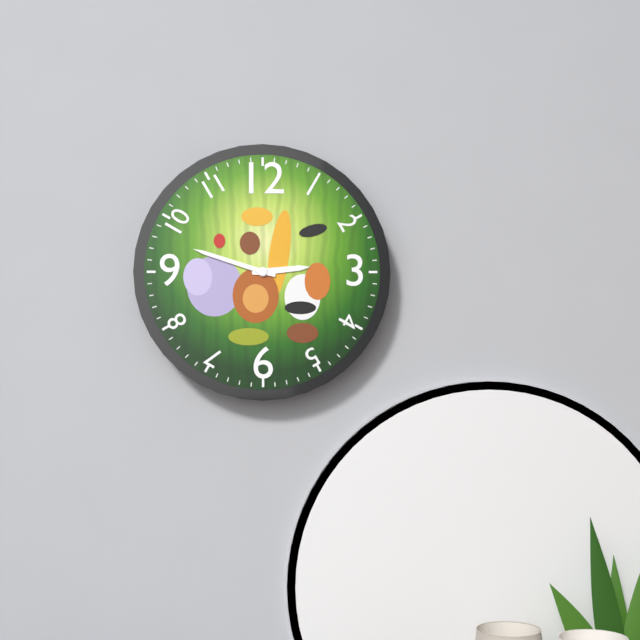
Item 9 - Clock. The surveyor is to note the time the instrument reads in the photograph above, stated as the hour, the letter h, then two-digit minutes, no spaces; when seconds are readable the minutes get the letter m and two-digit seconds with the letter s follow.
2h48
